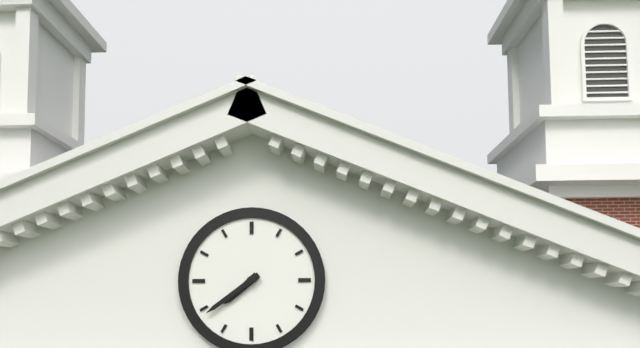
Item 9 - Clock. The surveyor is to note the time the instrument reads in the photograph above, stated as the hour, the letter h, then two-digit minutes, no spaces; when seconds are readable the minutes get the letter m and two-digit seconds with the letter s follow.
7h39
